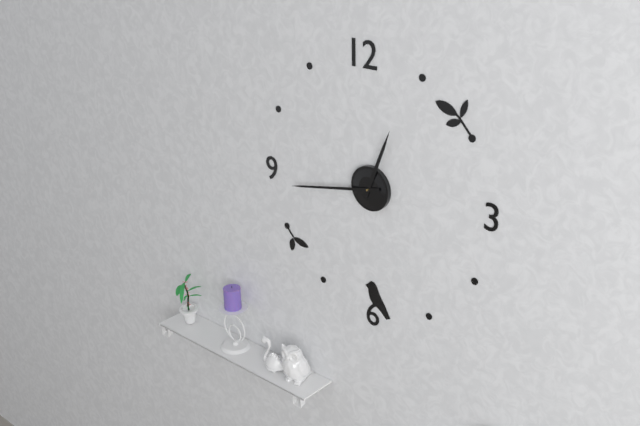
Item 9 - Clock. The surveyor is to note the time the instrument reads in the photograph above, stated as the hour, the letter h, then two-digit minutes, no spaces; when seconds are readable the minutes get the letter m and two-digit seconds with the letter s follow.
12h43
